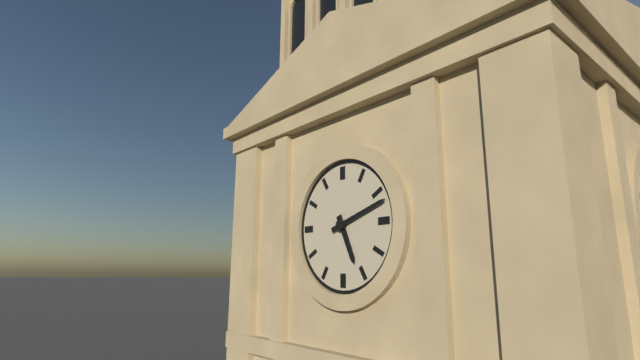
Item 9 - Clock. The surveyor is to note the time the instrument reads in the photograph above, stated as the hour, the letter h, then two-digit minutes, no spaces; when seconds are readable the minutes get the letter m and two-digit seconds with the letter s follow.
5h12
